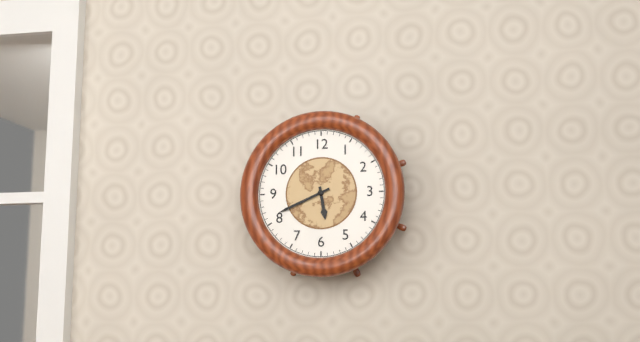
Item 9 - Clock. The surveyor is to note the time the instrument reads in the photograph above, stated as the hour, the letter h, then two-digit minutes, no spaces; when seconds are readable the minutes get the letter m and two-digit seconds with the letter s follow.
5h41
